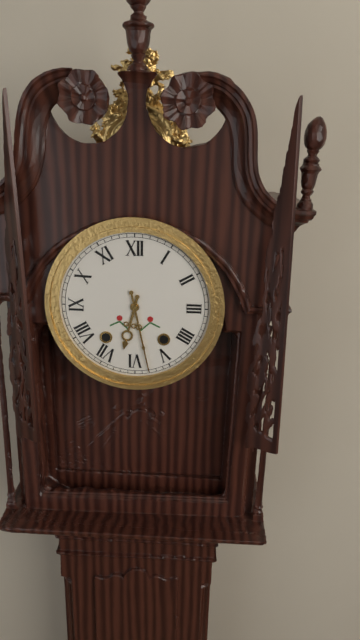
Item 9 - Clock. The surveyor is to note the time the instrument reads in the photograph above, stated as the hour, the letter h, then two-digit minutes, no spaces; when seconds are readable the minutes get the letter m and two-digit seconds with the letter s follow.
6h28
